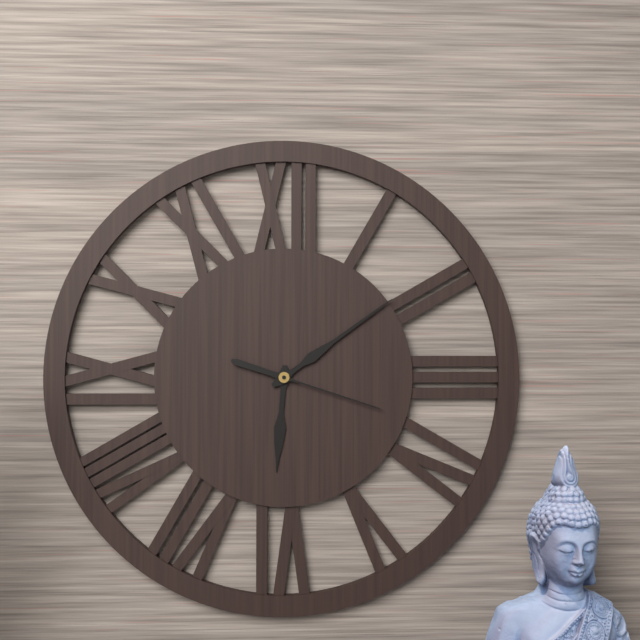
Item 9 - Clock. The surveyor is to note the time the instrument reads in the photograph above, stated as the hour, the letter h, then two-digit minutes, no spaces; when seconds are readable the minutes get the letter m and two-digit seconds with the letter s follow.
6h09m18s
